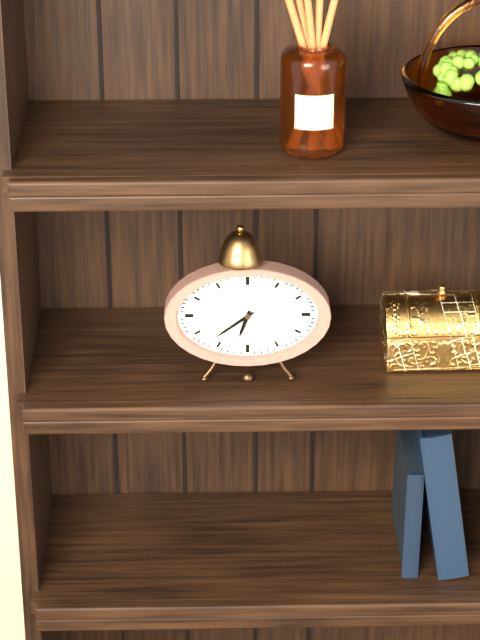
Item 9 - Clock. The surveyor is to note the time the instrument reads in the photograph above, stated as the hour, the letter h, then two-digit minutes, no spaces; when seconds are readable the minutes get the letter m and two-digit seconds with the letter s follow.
6h39
